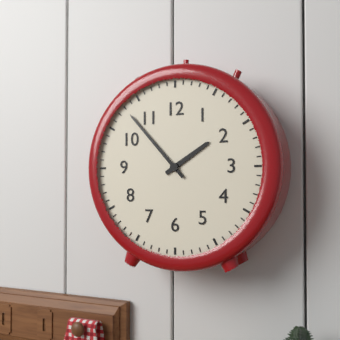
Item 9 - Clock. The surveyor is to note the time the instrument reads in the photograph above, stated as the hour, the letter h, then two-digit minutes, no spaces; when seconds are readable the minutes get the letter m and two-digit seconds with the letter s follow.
1h53
